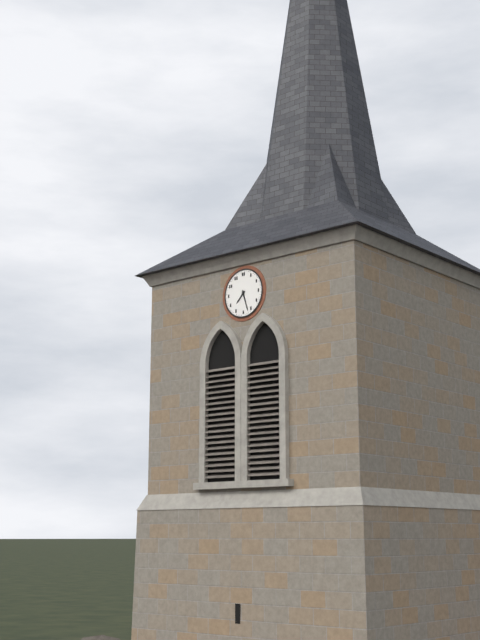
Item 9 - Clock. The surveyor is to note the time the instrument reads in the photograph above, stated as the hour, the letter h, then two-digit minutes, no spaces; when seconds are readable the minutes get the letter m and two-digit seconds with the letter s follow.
7h27
